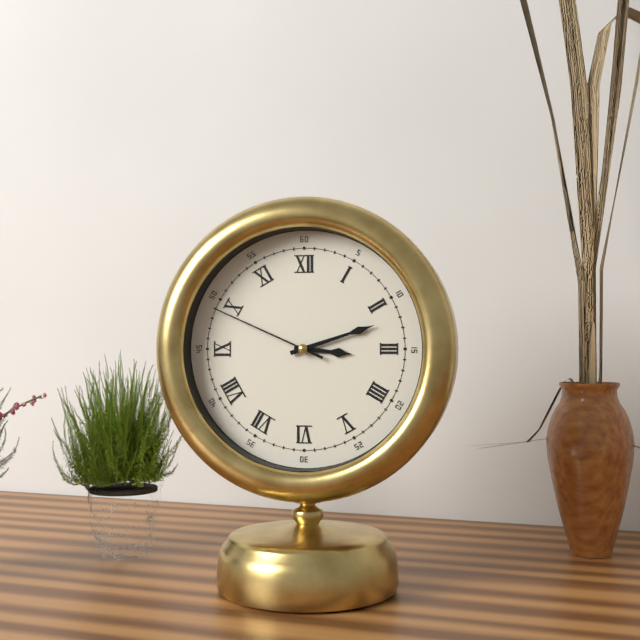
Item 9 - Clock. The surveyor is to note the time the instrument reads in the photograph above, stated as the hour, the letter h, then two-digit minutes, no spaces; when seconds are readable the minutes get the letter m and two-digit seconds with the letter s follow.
3h12m49s
